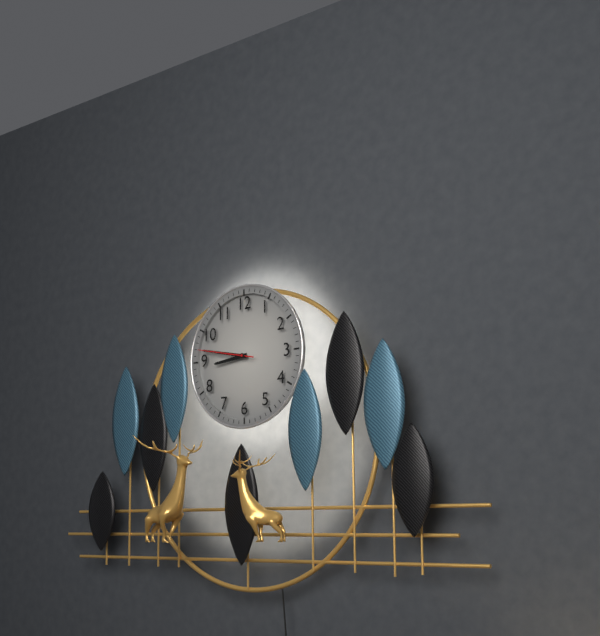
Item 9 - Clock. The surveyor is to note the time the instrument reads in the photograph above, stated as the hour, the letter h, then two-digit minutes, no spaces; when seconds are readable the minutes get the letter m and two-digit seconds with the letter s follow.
8h47m47s
